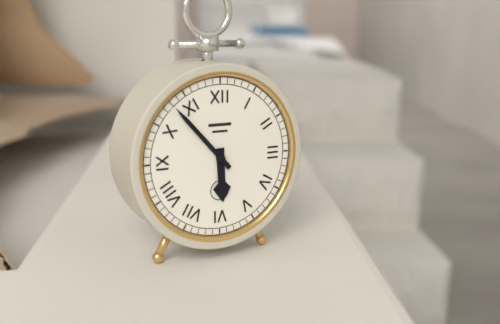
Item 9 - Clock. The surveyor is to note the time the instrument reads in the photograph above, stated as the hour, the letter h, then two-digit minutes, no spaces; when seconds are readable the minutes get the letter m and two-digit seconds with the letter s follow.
5h53
